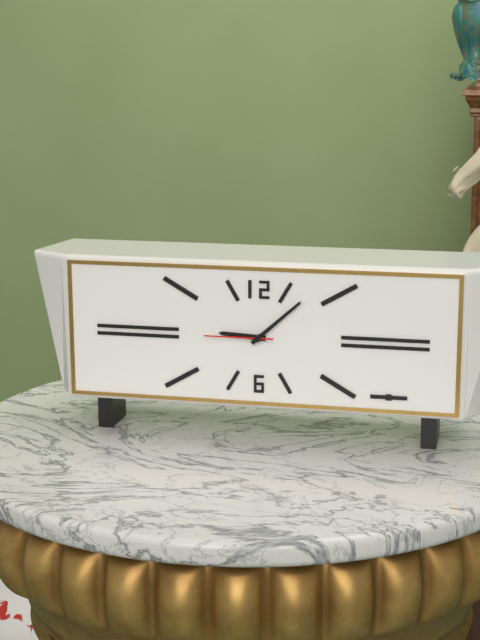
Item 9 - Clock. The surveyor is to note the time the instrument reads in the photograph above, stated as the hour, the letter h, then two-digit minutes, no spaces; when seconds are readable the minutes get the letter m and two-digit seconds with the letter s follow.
9h08m45s
